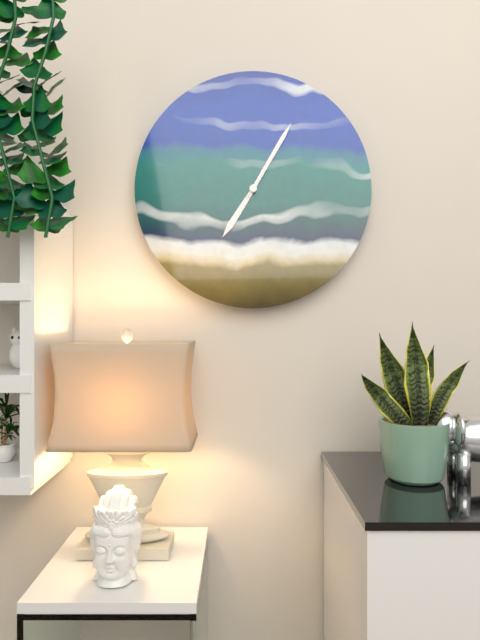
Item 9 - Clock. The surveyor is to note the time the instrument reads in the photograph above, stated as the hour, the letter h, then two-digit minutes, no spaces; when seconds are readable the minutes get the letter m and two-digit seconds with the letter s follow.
7h05
